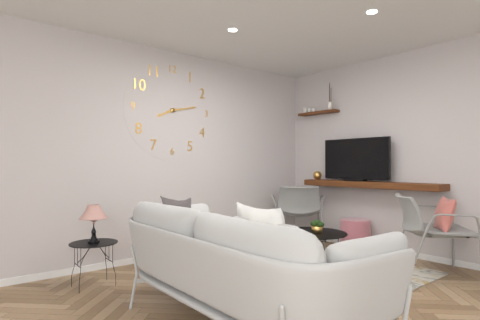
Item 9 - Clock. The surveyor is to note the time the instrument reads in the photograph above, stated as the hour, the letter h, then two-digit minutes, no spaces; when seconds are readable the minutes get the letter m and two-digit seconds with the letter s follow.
8h13
